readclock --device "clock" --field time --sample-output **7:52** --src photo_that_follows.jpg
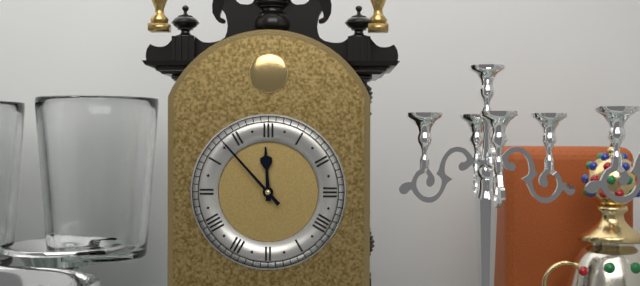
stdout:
**11:53**
